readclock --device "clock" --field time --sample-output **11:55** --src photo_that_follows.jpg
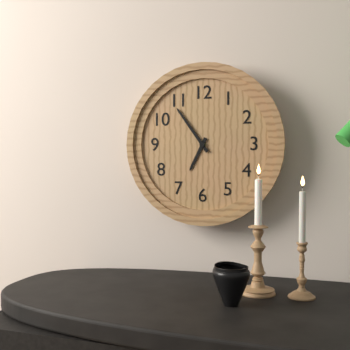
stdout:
**6:54**
